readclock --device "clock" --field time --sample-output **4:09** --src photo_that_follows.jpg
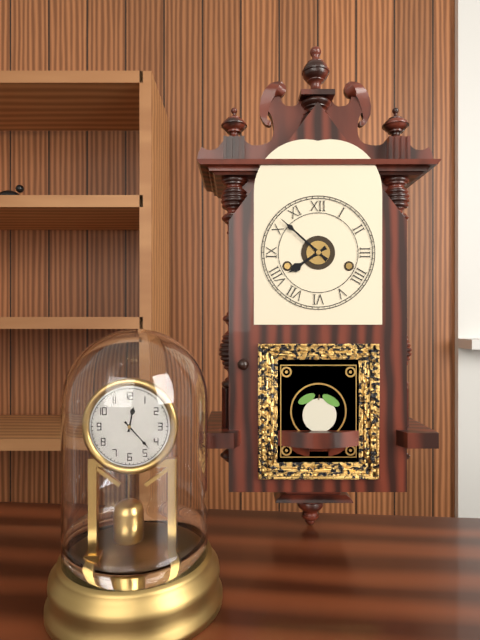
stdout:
**7:52**
